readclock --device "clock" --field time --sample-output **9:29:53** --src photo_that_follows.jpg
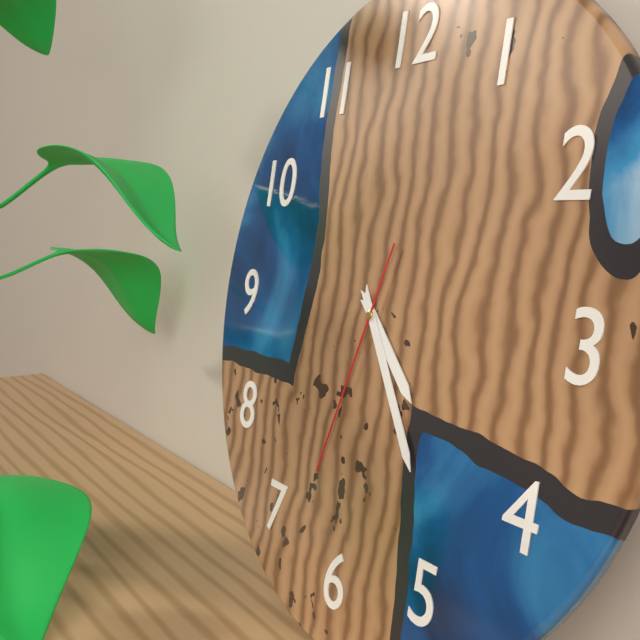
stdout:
**4:24:33**
